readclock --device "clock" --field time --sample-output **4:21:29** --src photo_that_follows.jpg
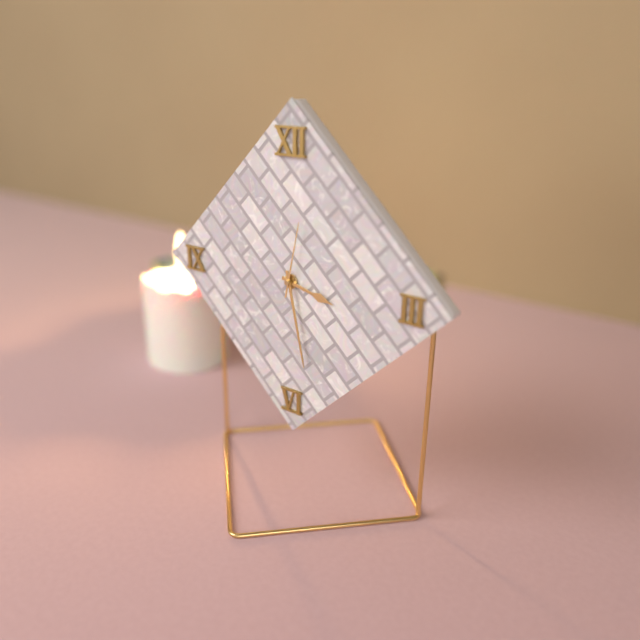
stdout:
**3:28:02**
